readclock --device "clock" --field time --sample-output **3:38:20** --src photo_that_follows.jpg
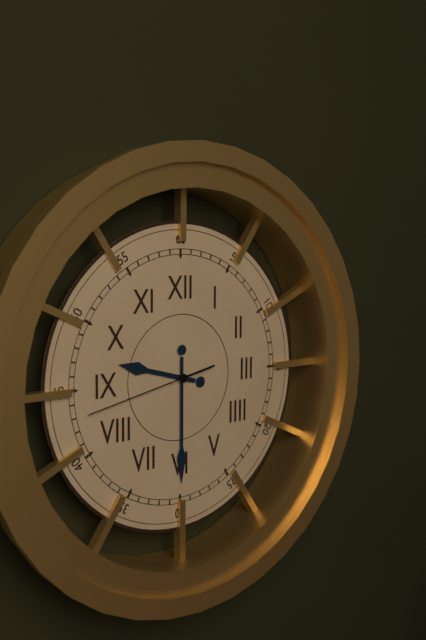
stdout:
**9:30:43**
